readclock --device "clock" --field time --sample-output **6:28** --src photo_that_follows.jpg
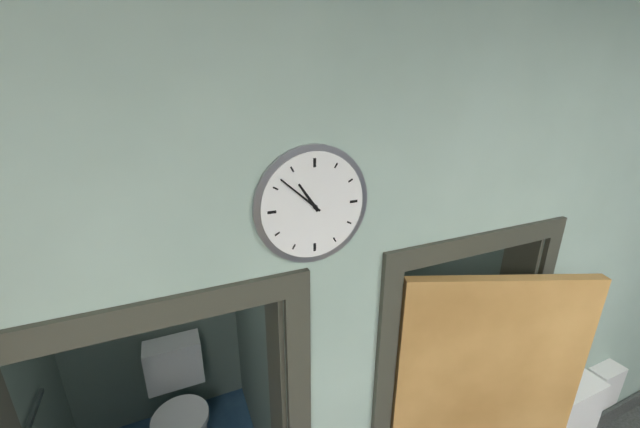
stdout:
**10:52**
